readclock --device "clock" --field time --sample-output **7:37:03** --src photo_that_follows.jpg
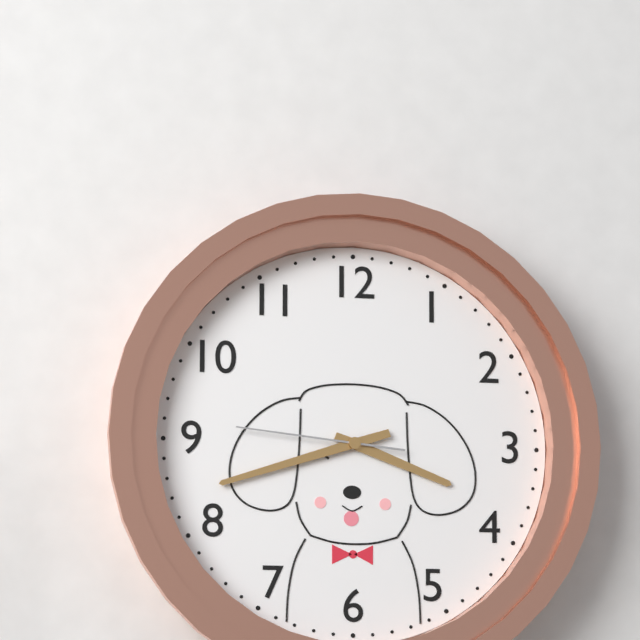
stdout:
**3:42:46**
